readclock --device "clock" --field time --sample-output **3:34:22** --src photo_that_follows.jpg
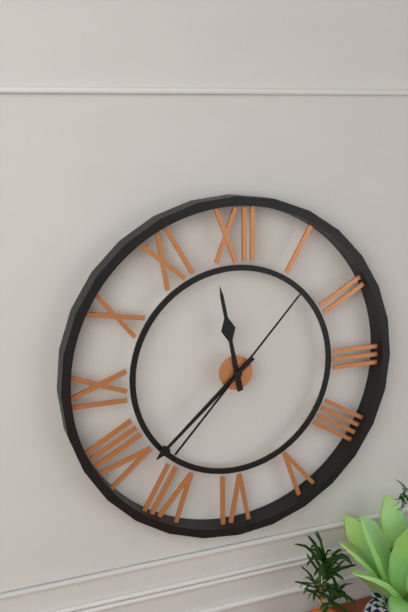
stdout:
**11:38:07**
